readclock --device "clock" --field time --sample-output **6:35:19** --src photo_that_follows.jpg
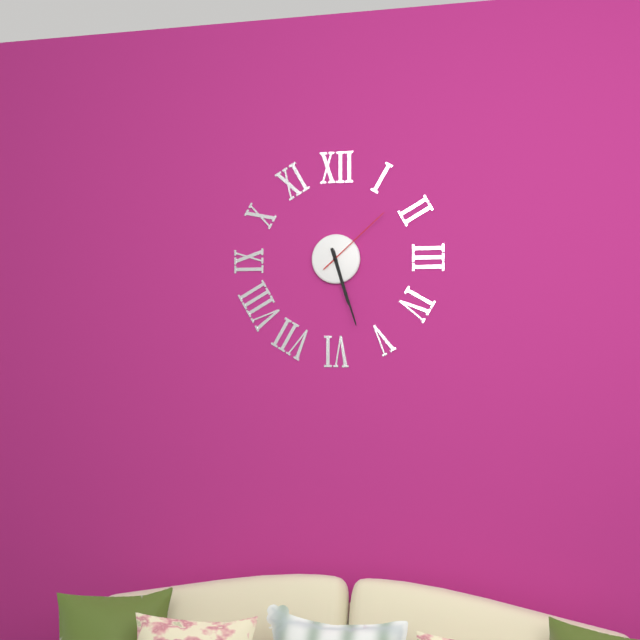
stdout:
**5:27:08**
